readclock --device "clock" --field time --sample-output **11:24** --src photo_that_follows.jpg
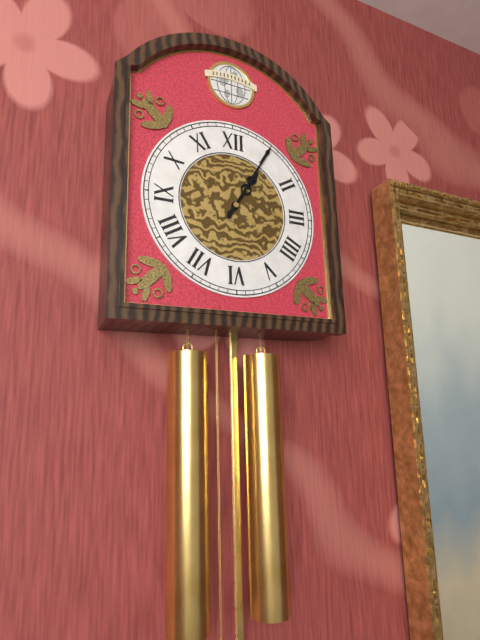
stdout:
**1:05**
